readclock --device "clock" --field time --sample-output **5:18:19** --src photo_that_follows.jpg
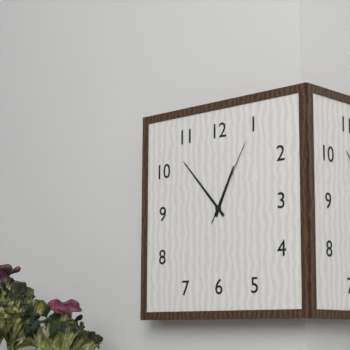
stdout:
**12:53:05**
